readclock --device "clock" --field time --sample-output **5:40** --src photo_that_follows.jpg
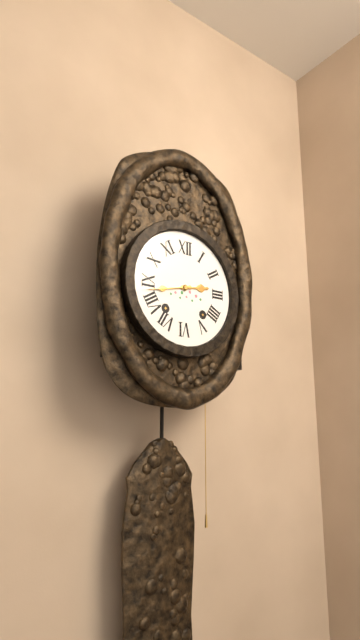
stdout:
**2:43**
